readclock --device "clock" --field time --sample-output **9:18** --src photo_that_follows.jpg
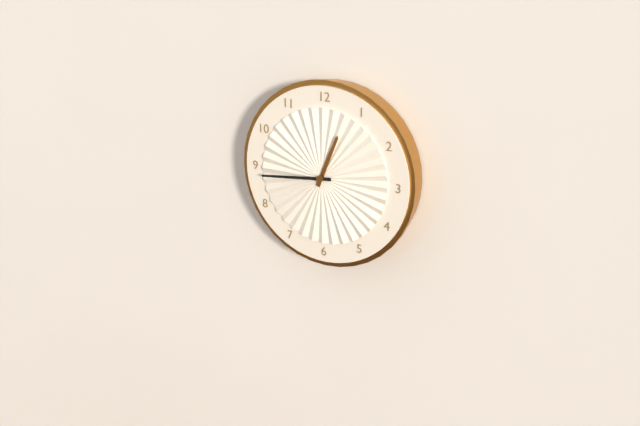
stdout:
**12:44**
